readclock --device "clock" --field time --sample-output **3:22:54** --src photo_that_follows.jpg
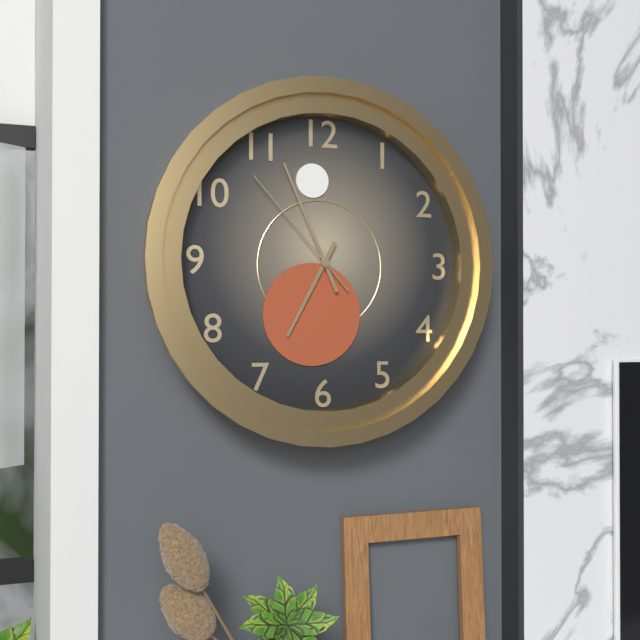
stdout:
**6:56:53**
